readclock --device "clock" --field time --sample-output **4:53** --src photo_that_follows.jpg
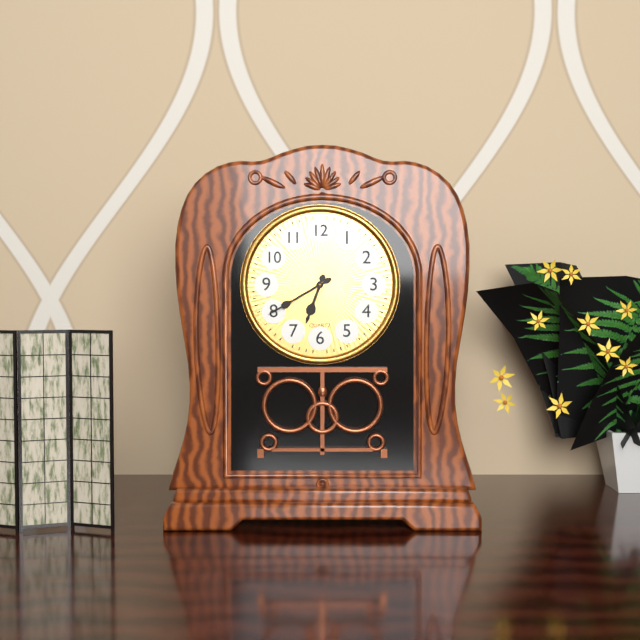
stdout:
**6:40**
